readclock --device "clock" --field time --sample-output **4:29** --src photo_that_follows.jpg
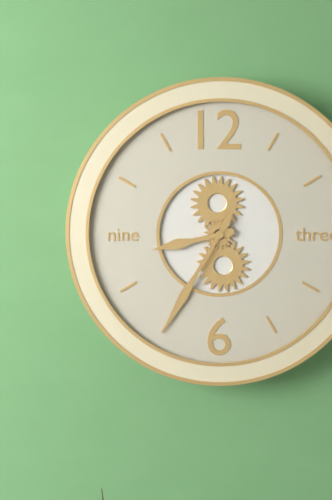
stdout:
**8:35**
